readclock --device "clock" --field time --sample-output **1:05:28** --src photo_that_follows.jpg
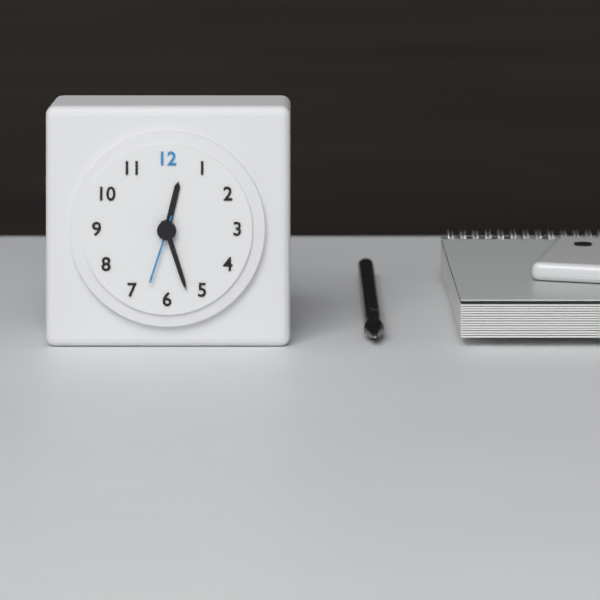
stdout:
**12:27:33**
